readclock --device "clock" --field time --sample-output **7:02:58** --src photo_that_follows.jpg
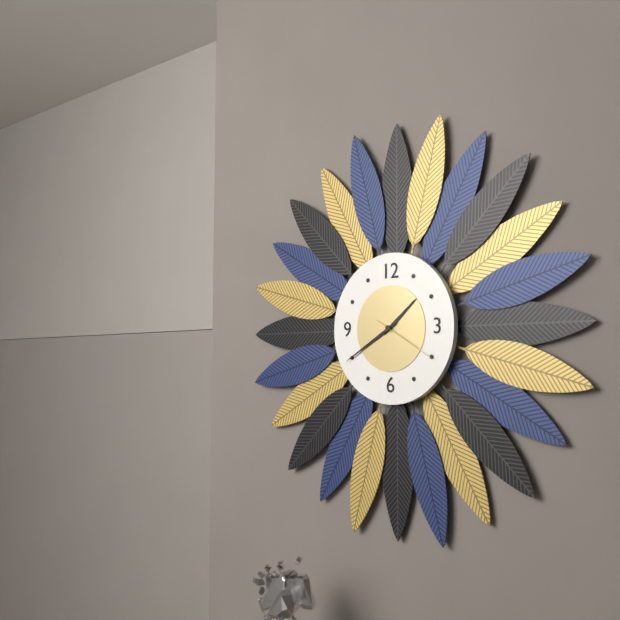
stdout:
**1:40:20**
